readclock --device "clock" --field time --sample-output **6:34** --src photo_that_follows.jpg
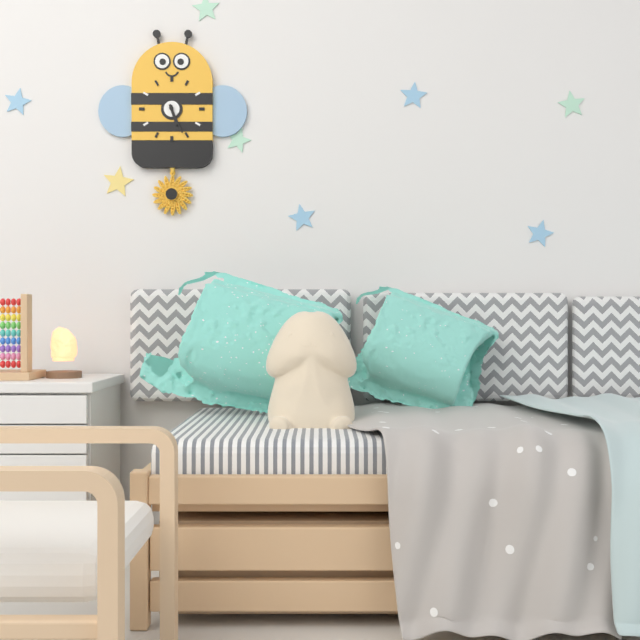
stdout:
**5:26**
